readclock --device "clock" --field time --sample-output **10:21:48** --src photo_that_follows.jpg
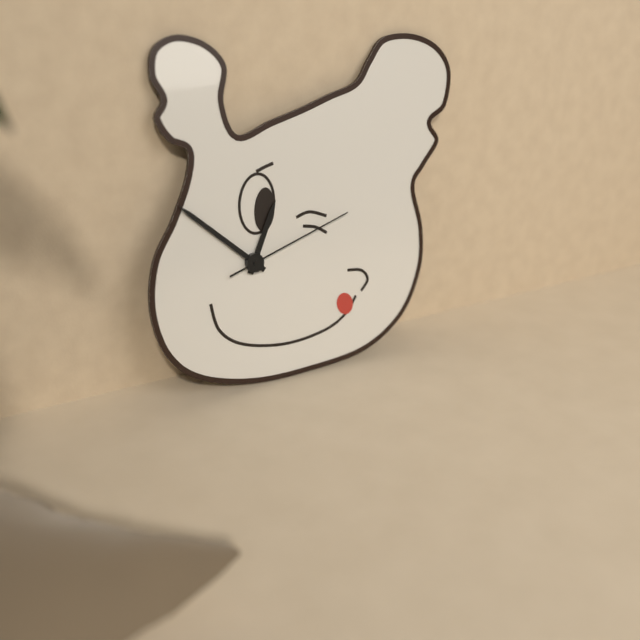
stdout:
**12:52:12**
